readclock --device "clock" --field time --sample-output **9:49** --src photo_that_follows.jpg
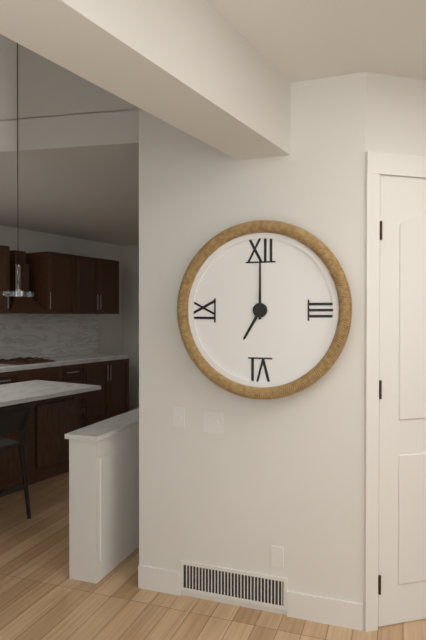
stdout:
**7:00**
